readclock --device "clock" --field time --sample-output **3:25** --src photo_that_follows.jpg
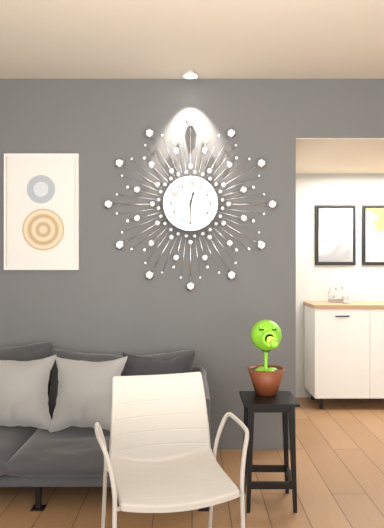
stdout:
**12:30**
